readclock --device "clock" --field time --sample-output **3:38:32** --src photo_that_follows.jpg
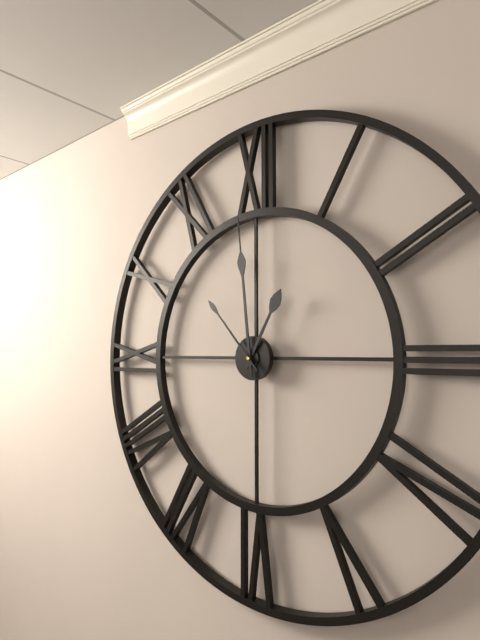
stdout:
**12:59:53**
